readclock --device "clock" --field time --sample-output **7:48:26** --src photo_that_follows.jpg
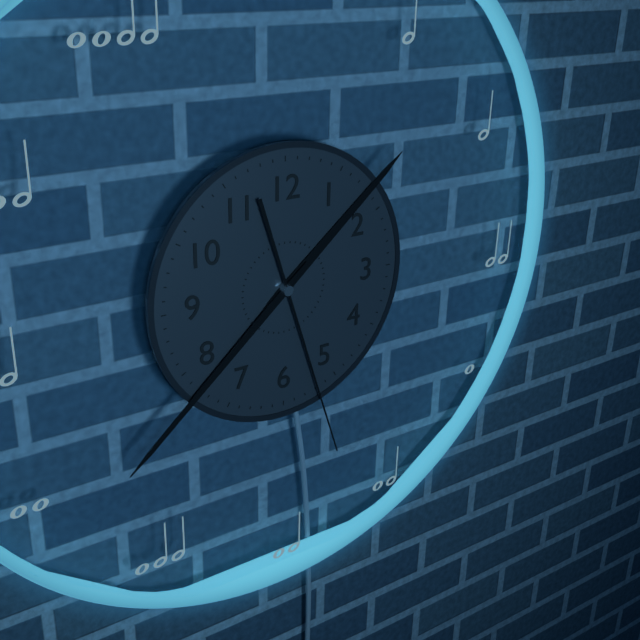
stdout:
**1:38:27**
